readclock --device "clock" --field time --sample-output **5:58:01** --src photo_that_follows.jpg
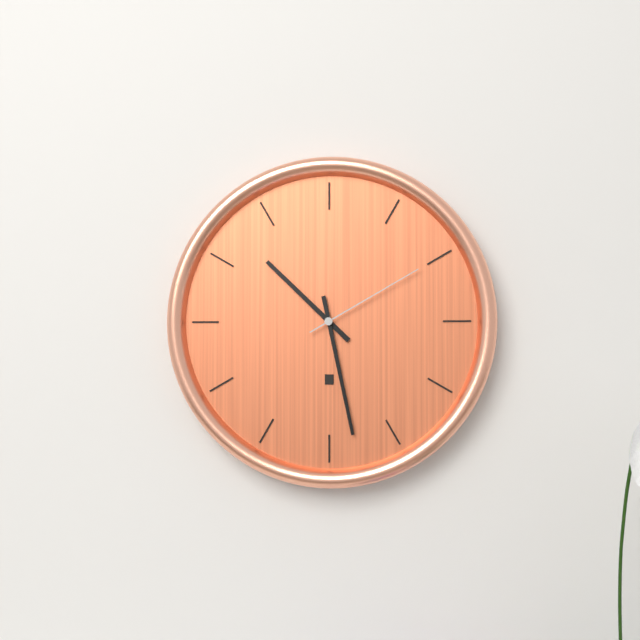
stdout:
**10:28:10**
